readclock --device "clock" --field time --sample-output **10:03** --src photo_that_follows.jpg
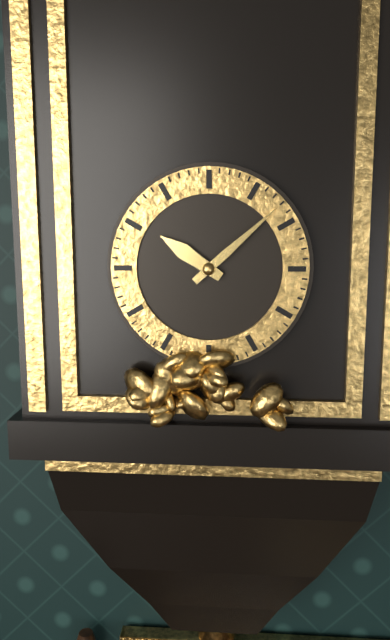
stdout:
**10:08**
